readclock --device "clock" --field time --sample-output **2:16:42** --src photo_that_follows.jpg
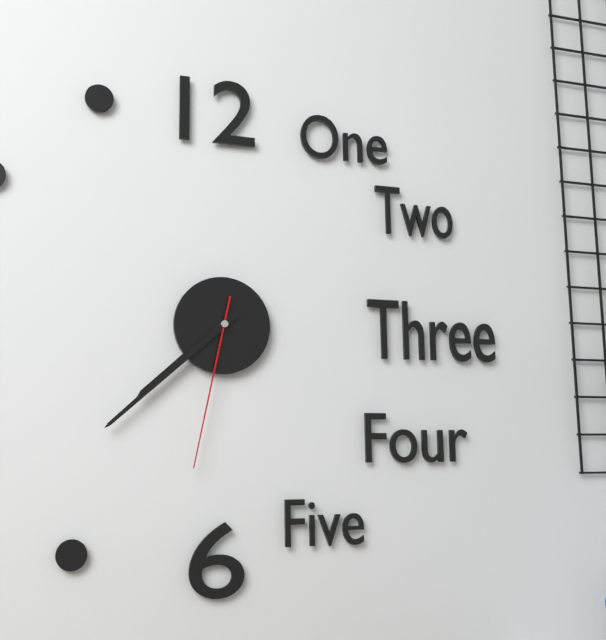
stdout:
**7:38:32**
